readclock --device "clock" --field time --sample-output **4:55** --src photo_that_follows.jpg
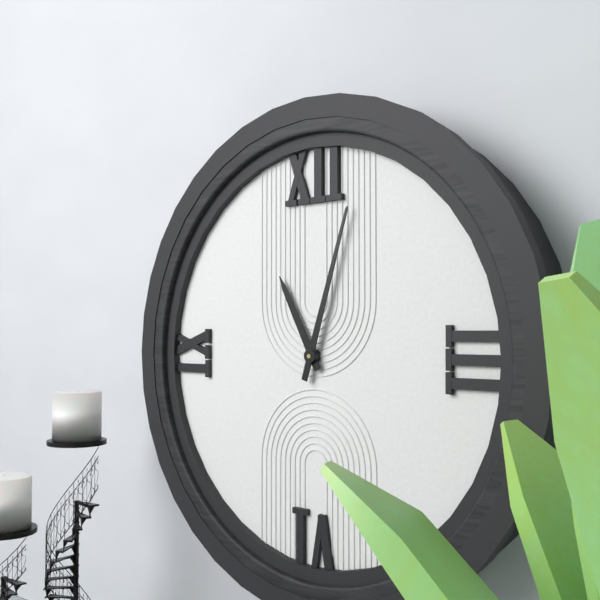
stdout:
**11:03**
